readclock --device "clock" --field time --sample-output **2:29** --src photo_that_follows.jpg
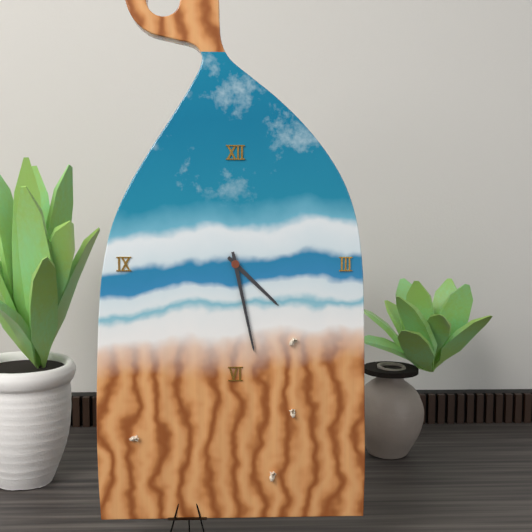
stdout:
**4:28**
